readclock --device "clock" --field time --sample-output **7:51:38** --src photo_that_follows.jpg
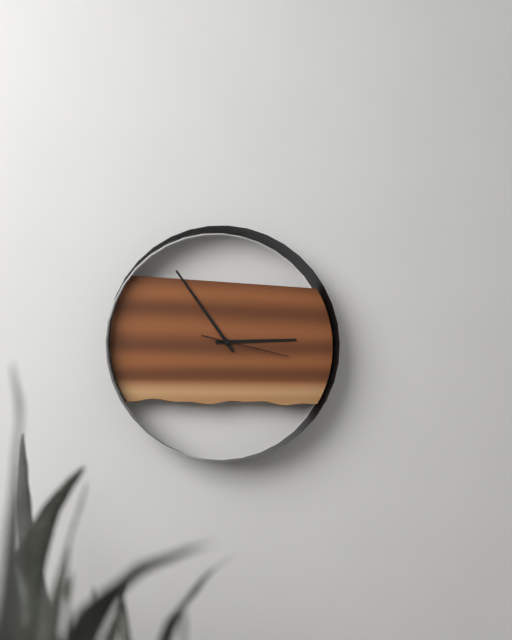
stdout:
**2:54:17**
